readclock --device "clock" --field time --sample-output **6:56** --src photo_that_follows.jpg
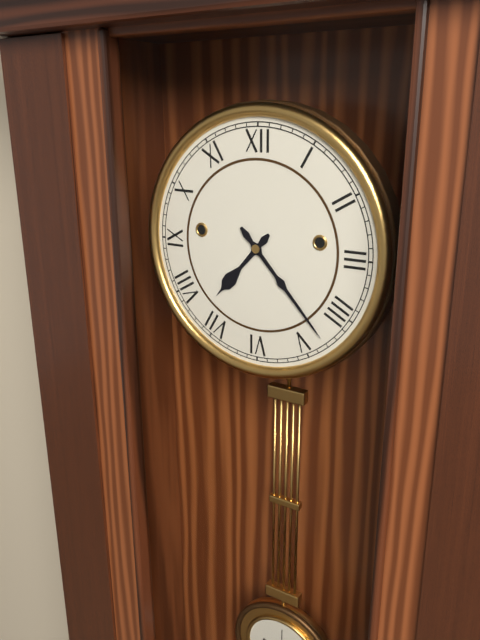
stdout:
**7:23**
